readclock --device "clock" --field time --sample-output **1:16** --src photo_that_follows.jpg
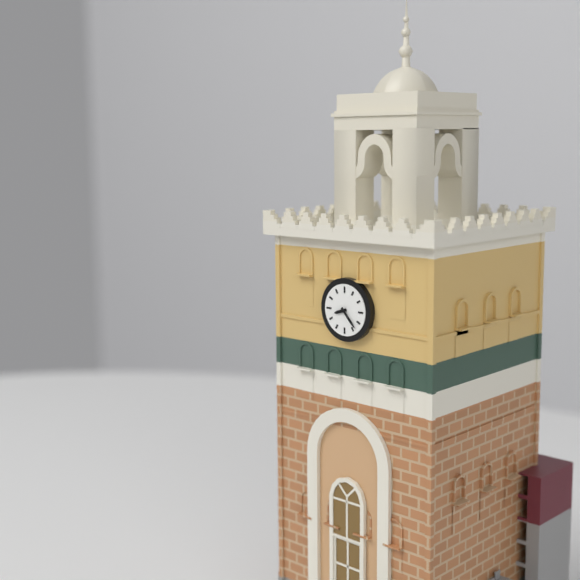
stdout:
**8:23**
